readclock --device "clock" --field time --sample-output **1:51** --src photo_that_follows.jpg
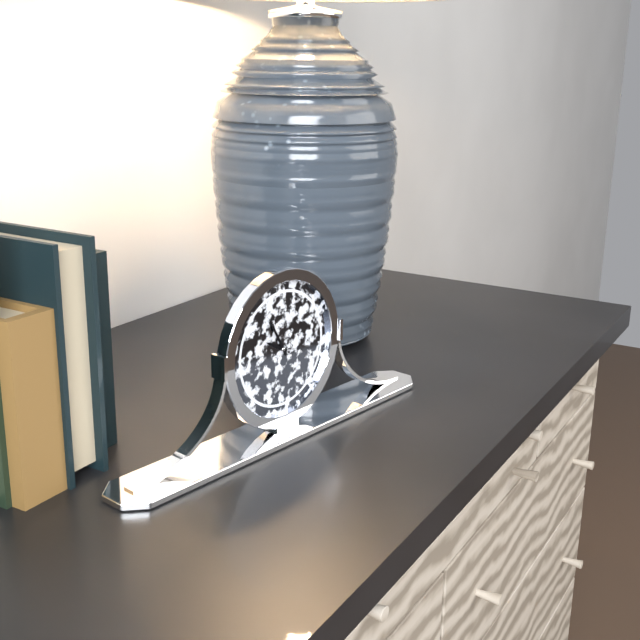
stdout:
**9:55**
